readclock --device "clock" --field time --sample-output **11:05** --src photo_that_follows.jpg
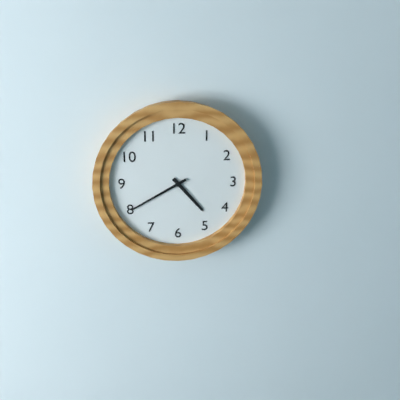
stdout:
**4:40**
